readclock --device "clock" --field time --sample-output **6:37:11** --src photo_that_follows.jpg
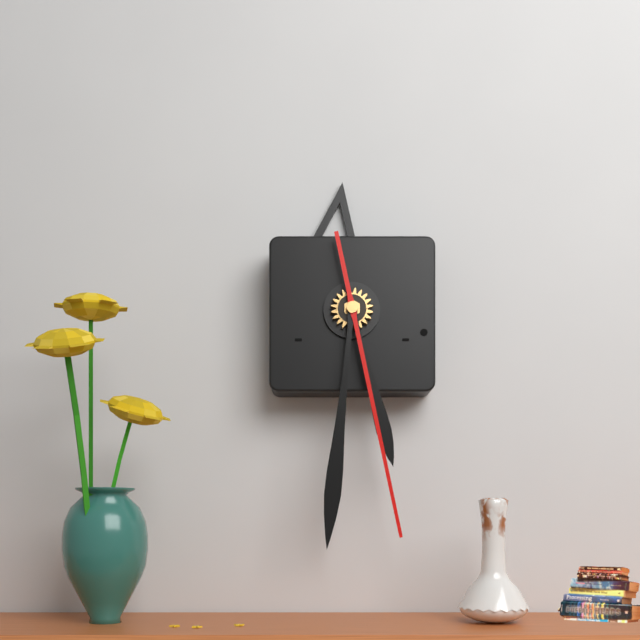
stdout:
**5:31:28**
